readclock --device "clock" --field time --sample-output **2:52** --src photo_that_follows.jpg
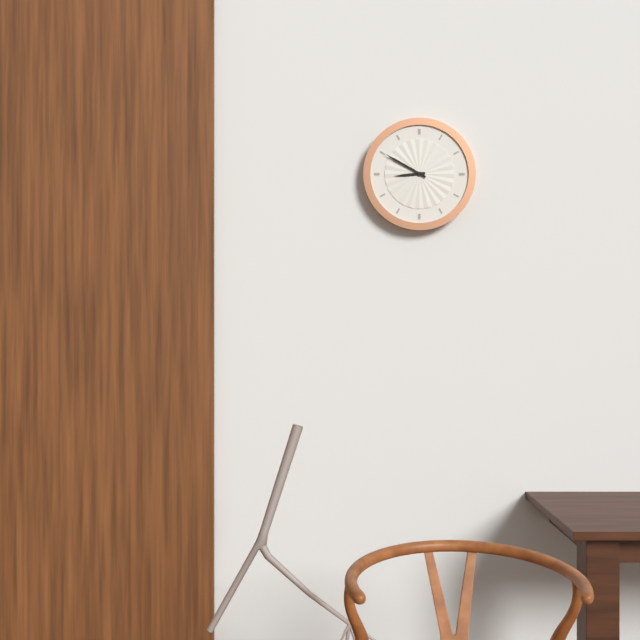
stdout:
**8:50**
